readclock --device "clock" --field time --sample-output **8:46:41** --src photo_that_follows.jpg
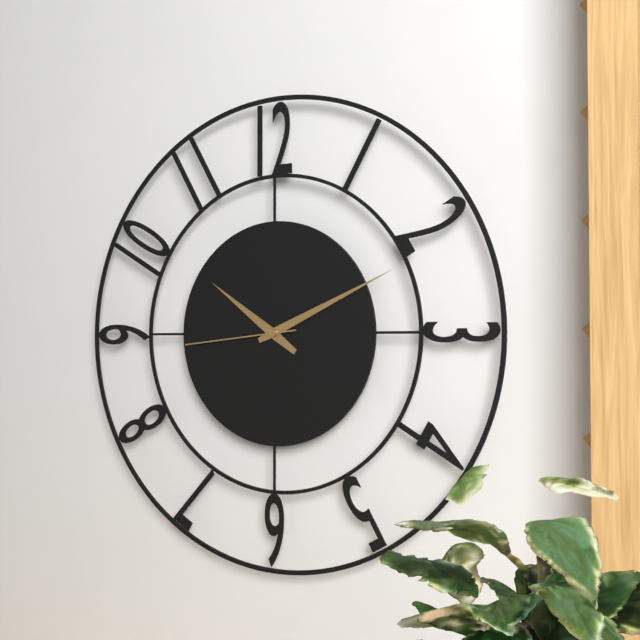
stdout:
**10:11:44**
